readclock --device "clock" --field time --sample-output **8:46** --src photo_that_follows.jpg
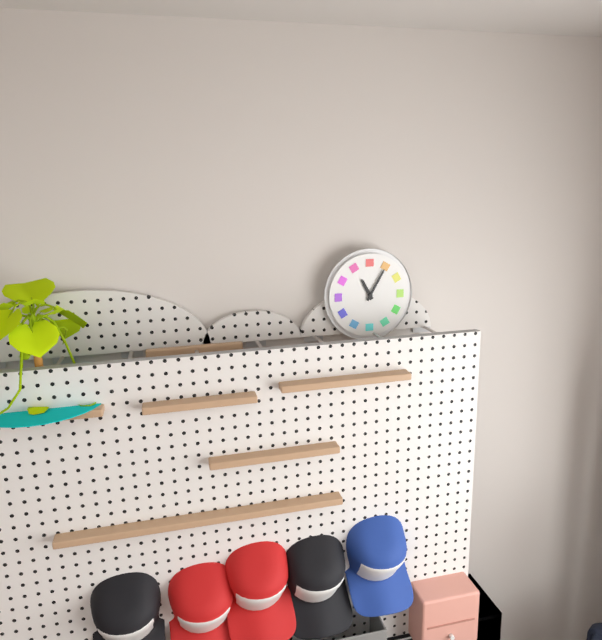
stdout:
**11:05**
